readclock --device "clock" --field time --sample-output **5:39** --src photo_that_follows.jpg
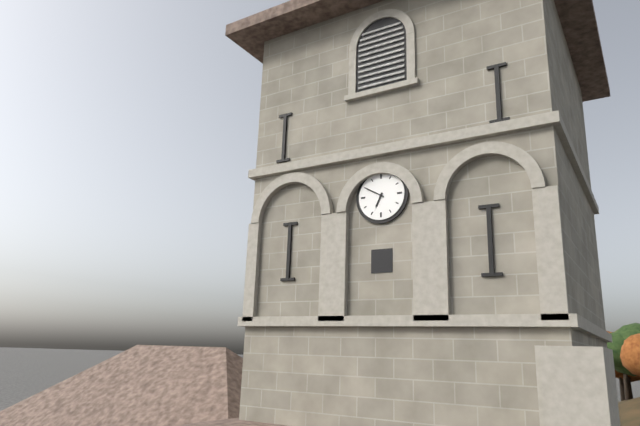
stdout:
**6:50**
